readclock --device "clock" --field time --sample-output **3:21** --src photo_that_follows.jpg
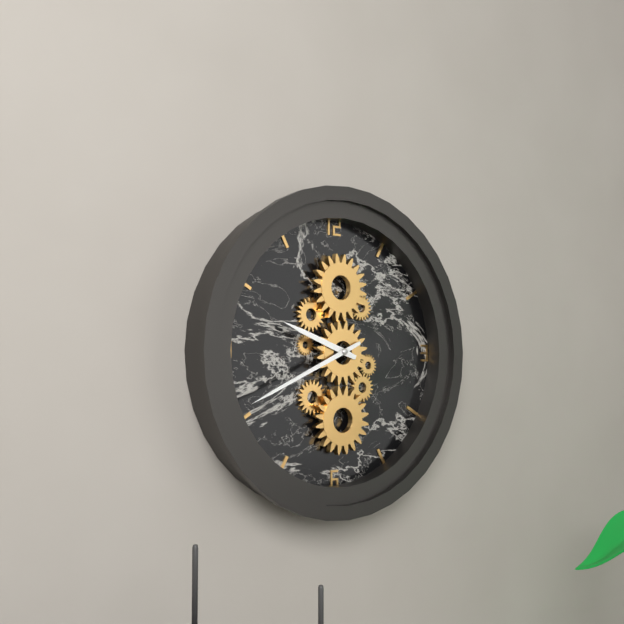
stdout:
**9:41**
